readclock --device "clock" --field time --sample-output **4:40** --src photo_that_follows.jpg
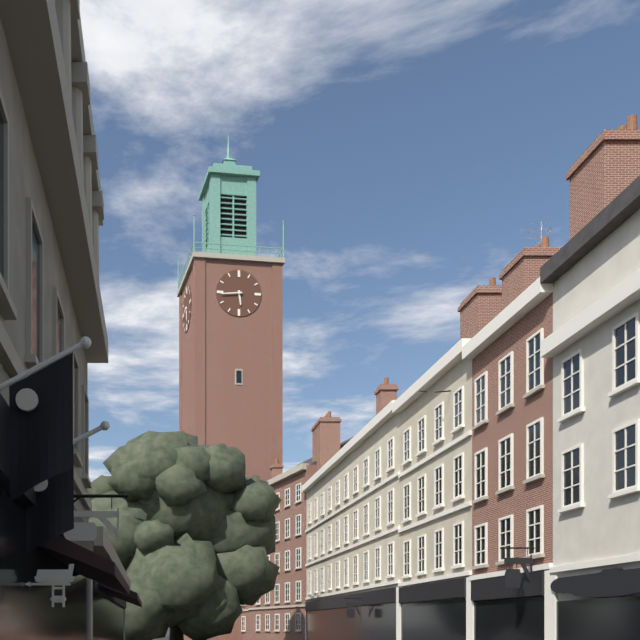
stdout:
**5:44**
